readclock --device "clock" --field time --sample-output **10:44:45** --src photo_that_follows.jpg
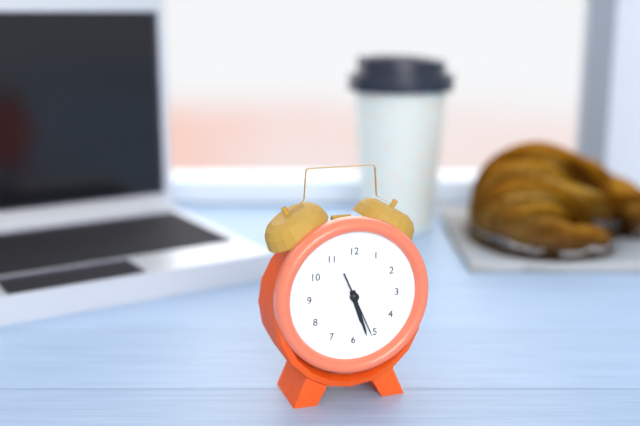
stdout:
**5:27:26**
